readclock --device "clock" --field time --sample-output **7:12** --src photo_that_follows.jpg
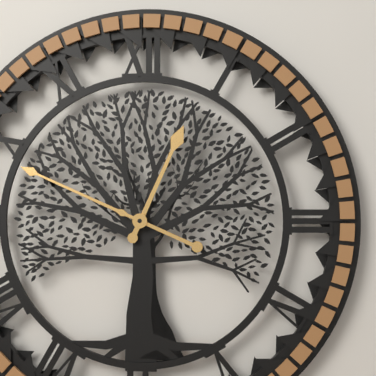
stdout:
**12:49**
